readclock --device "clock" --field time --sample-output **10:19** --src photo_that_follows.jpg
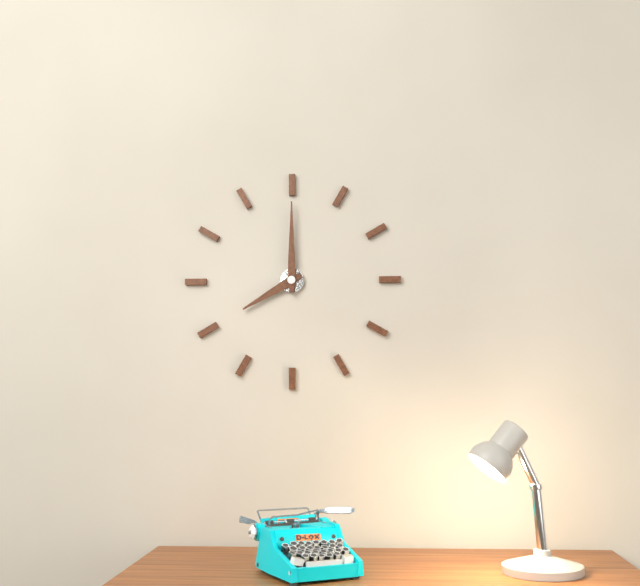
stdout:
**8:00**
